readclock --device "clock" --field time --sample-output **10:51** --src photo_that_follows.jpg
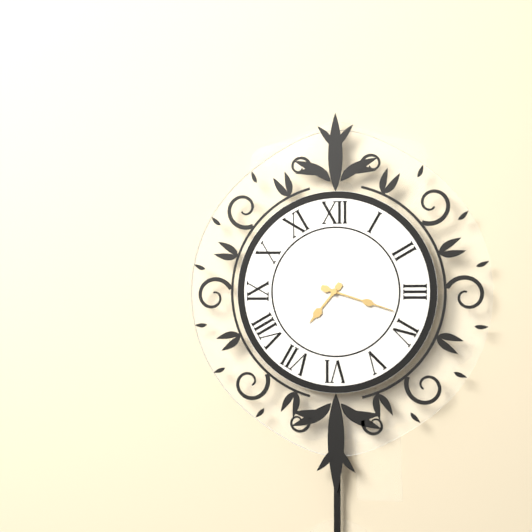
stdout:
**7:18**
